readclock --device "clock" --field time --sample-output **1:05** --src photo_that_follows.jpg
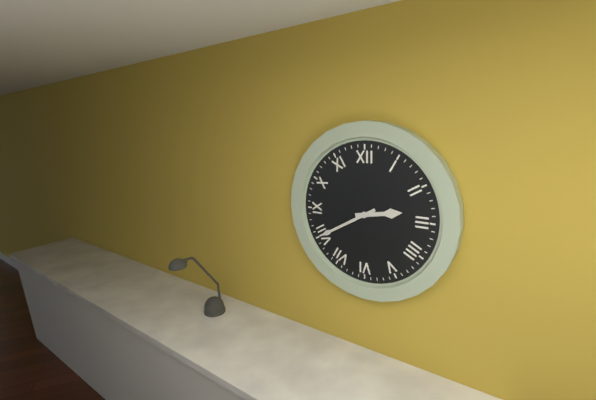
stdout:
**2:40**
